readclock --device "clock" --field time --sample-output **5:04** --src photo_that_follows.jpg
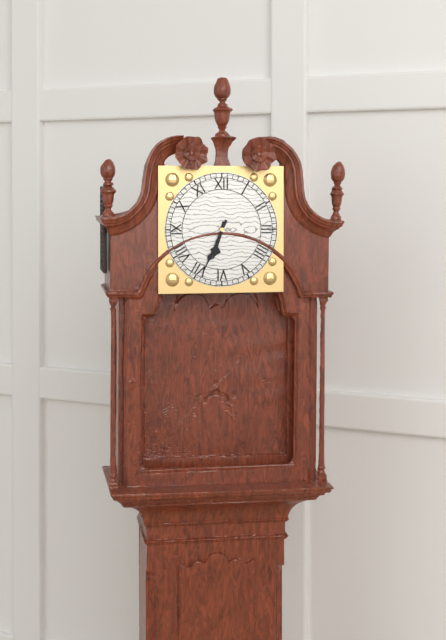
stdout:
**6:34**
